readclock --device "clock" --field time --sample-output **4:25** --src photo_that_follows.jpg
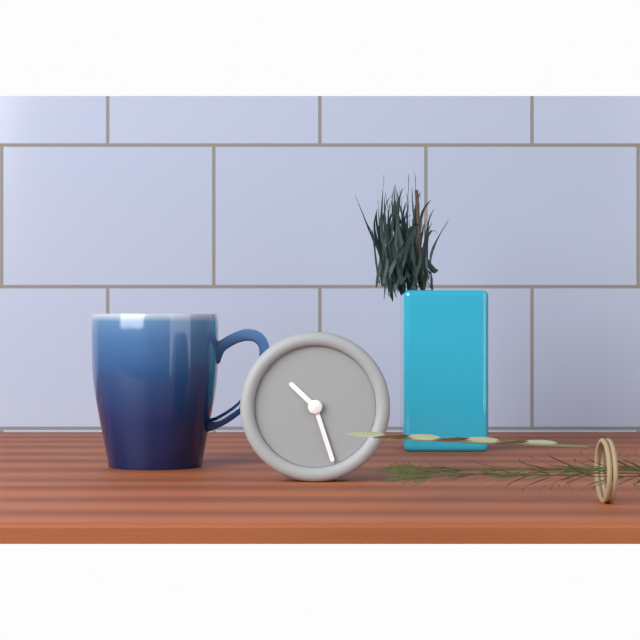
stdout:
**10:27**
